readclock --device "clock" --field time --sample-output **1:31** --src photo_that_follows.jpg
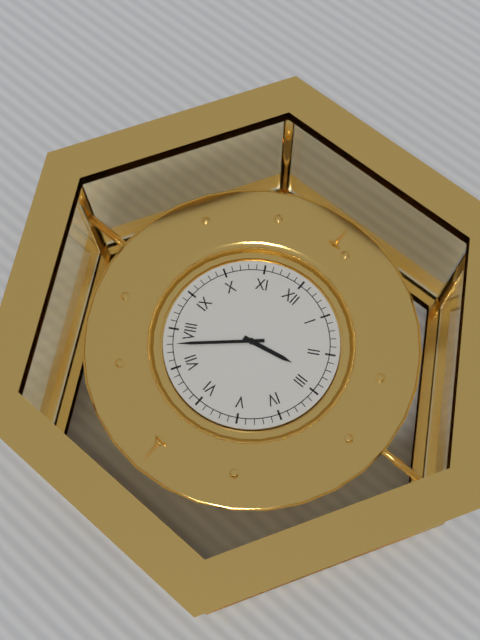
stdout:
**2:38**
